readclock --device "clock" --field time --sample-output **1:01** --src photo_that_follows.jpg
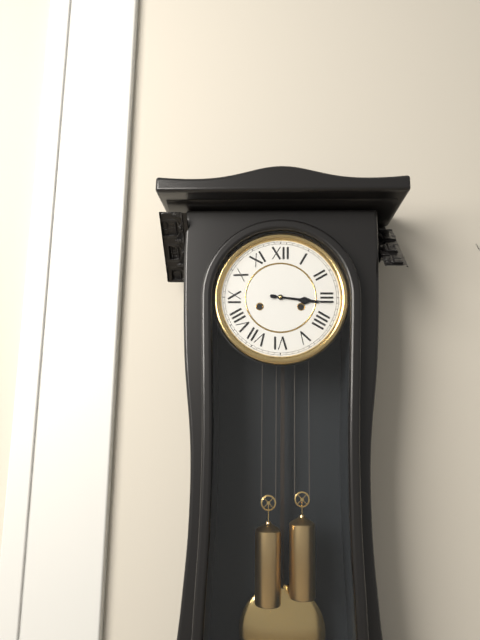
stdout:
**3:16**
